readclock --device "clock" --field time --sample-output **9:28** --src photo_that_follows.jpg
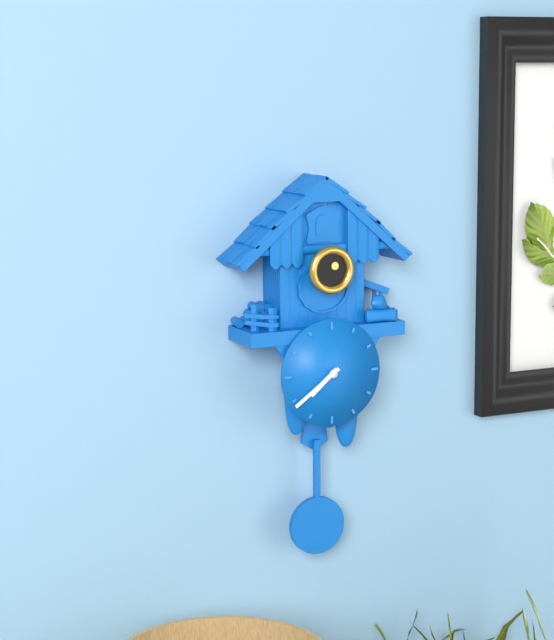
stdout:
**7:39**
